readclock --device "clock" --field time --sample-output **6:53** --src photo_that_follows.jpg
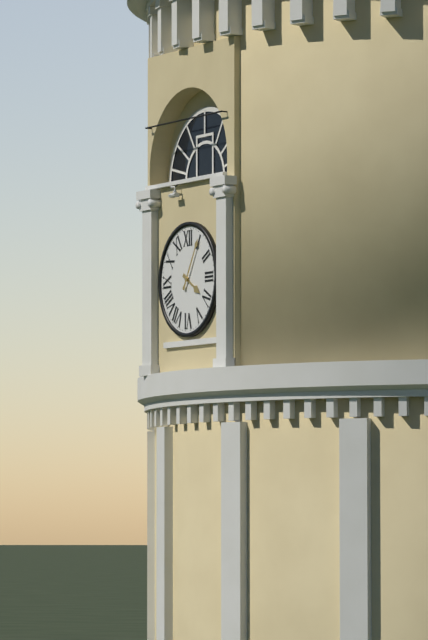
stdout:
**4:05**
